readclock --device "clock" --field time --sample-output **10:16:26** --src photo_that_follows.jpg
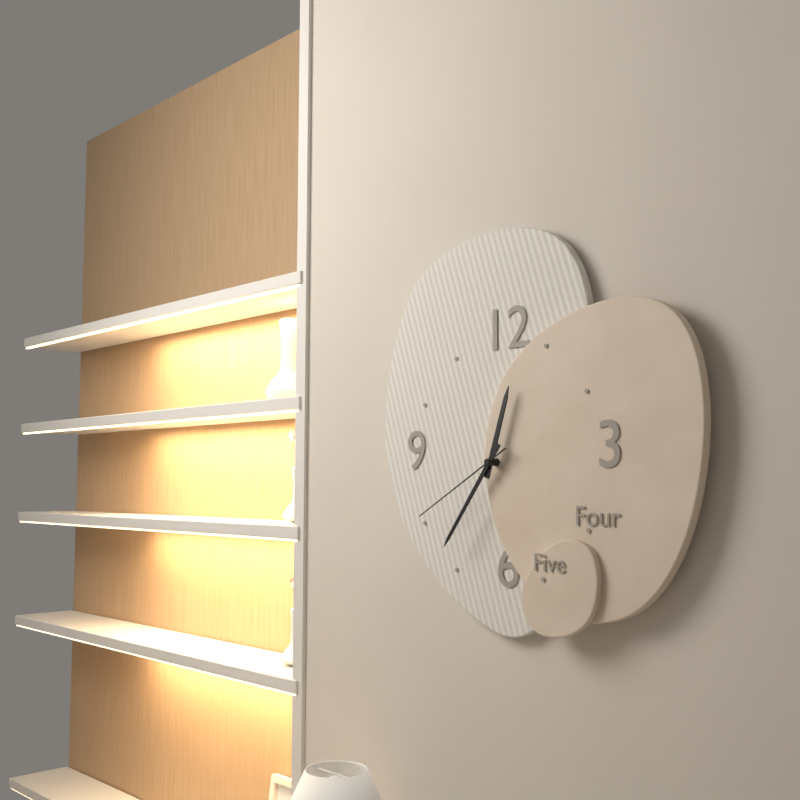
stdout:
**12:36:40**
